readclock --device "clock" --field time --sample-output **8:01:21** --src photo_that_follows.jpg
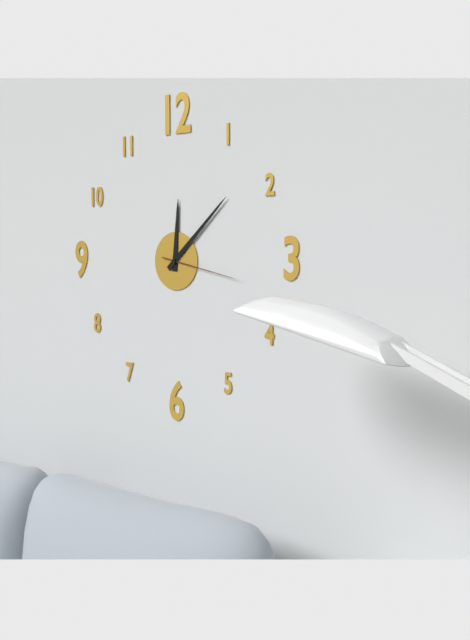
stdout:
**12:08:17**
